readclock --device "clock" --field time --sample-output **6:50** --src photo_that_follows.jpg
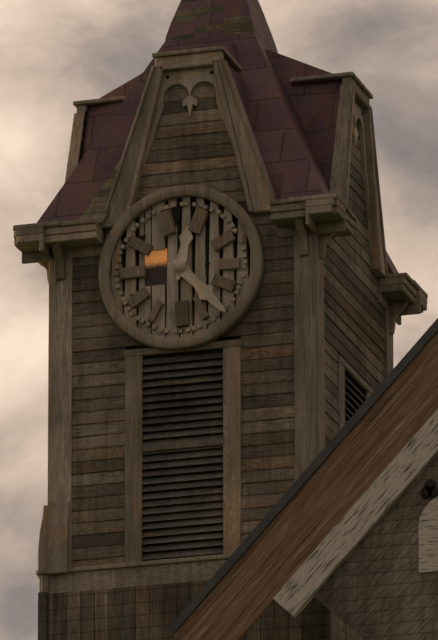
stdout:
**12:23**
